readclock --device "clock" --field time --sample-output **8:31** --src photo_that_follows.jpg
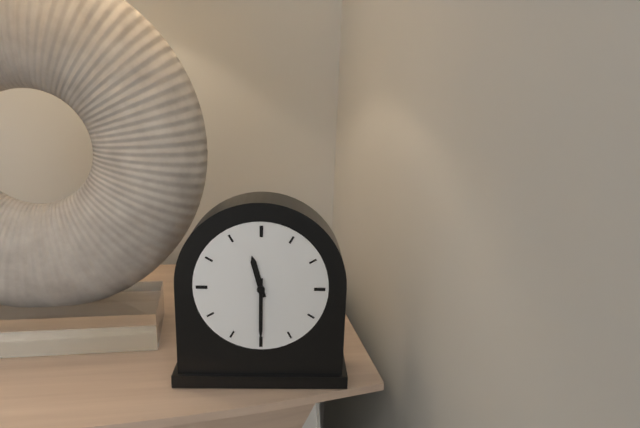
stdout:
**11:30**
